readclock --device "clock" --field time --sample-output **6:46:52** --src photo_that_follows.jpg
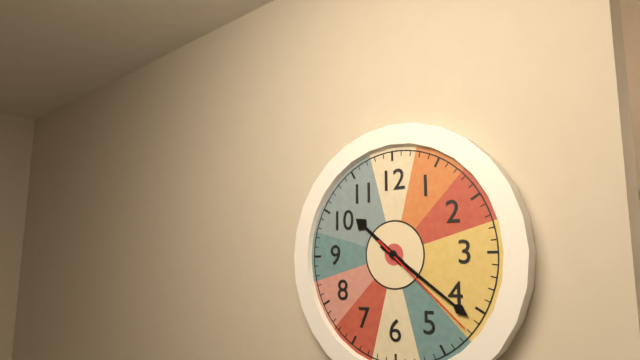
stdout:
**10:21:22**
